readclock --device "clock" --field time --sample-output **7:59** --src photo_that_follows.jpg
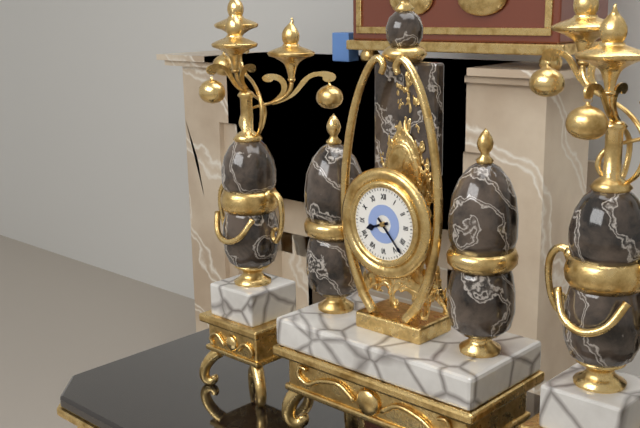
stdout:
**8:23**
